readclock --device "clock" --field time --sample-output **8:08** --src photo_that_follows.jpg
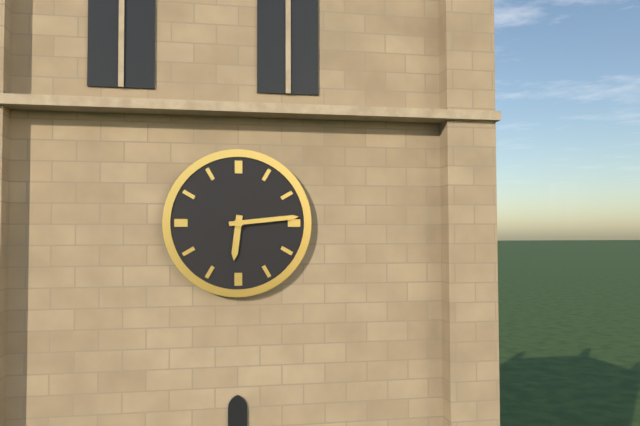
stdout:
**6:14**
